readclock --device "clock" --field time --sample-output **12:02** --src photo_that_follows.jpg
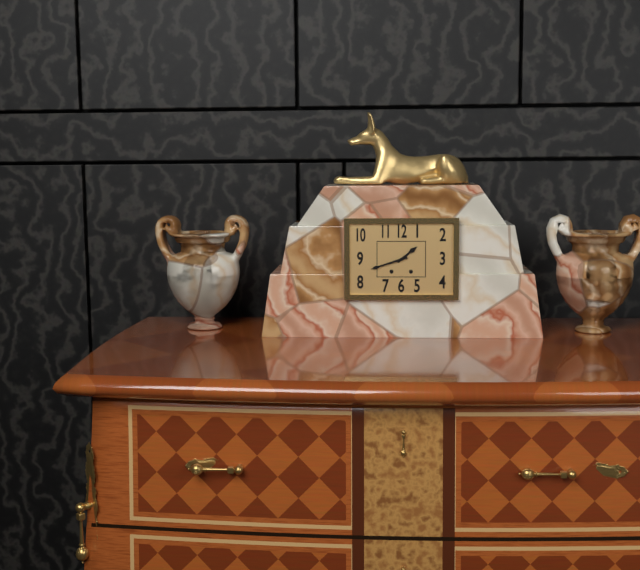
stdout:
**1:42**
